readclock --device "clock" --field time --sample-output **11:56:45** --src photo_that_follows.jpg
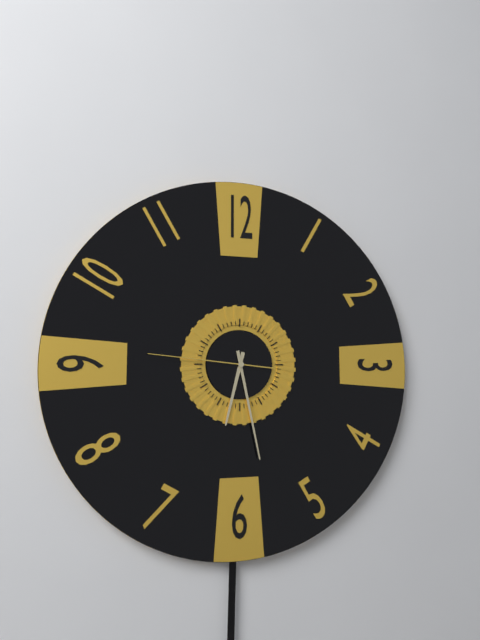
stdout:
**6:28:46**
